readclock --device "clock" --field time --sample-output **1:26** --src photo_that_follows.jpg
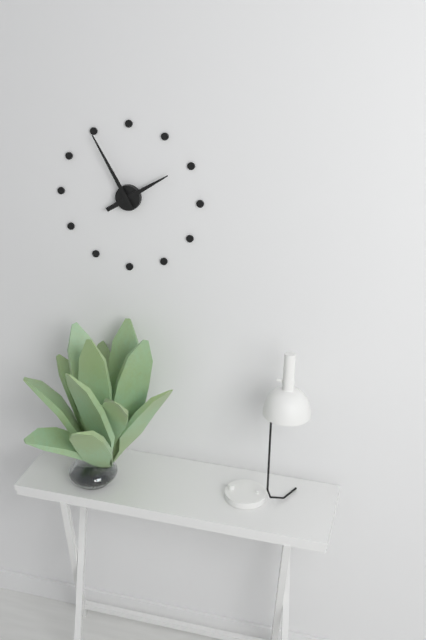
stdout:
**1:55**
